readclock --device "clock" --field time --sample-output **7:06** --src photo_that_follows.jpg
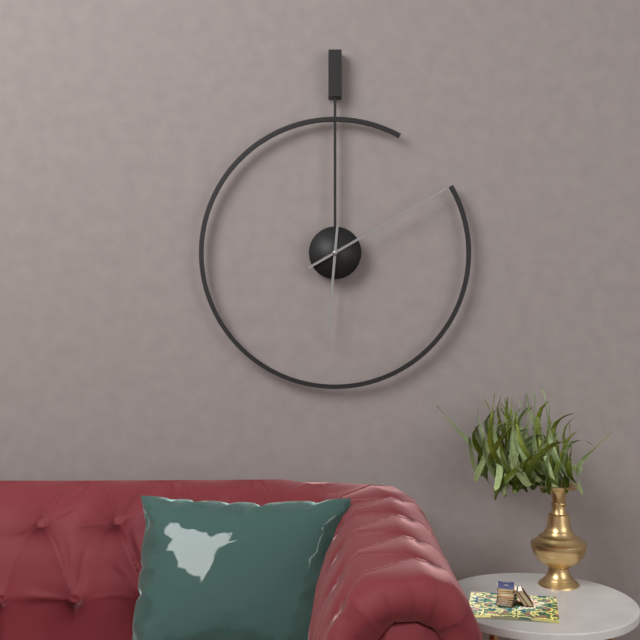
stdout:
**6:10**
